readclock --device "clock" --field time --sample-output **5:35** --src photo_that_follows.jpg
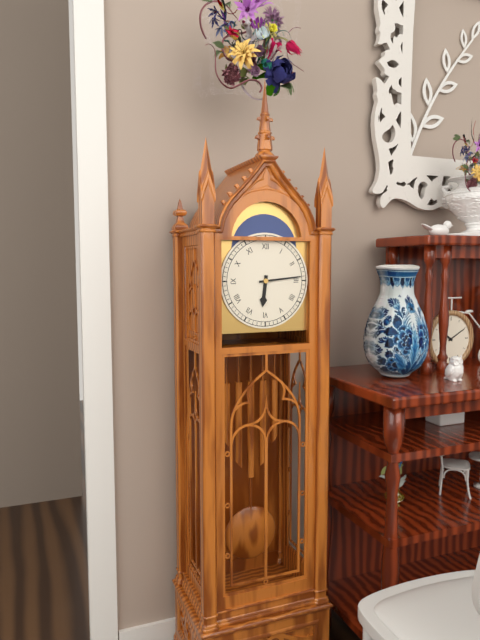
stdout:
**6:14**
